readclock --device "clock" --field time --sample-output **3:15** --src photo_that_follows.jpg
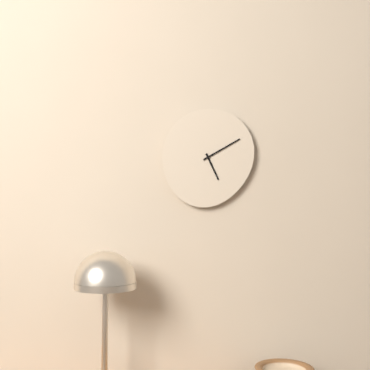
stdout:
**5:10**
